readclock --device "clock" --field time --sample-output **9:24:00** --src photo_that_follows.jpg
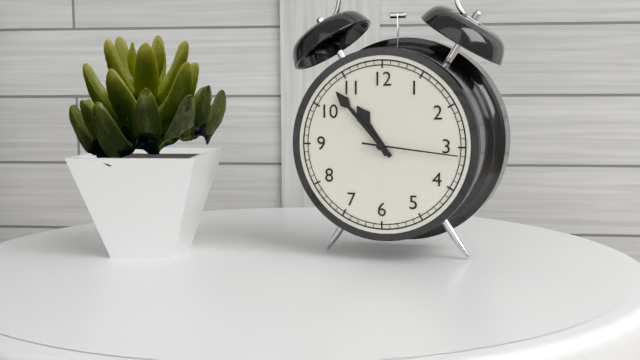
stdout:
**10:53:16**
